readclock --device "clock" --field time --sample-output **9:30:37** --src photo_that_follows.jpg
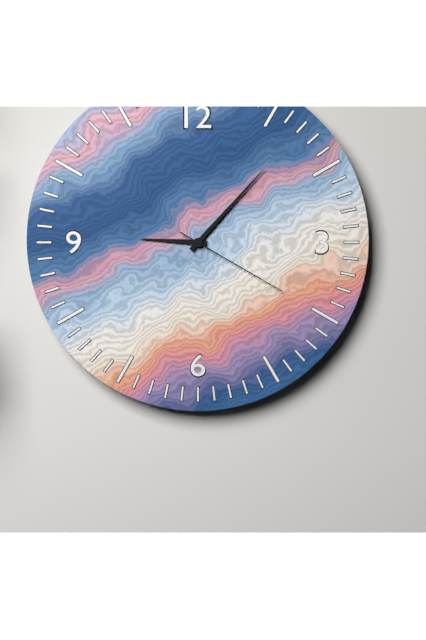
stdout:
**9:07:20**
